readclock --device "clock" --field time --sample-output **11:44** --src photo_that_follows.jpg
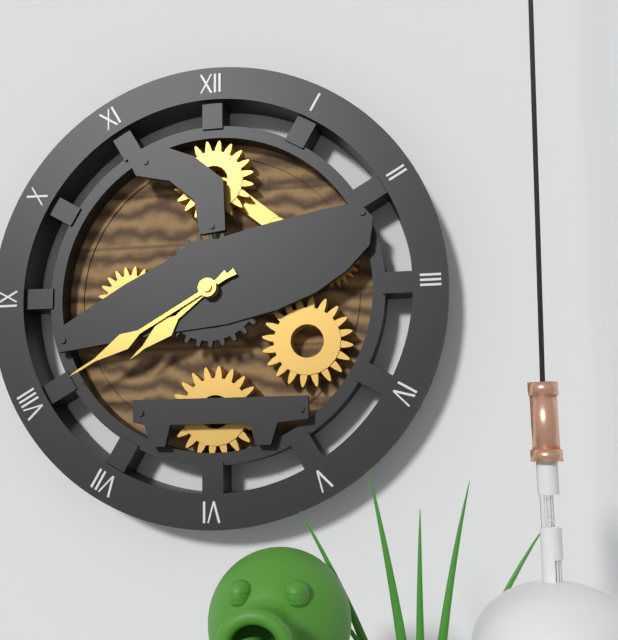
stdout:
**7:40**
